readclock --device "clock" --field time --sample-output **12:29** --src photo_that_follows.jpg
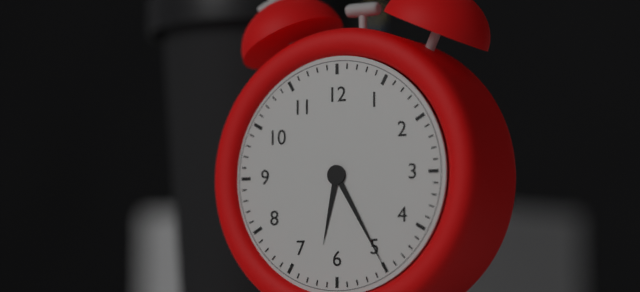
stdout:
**6:25**
